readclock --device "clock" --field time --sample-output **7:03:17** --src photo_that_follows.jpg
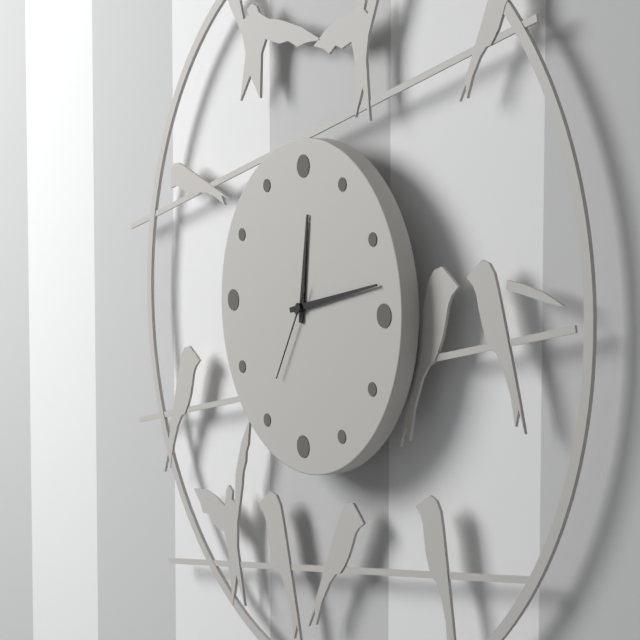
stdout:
**12:13:35**
